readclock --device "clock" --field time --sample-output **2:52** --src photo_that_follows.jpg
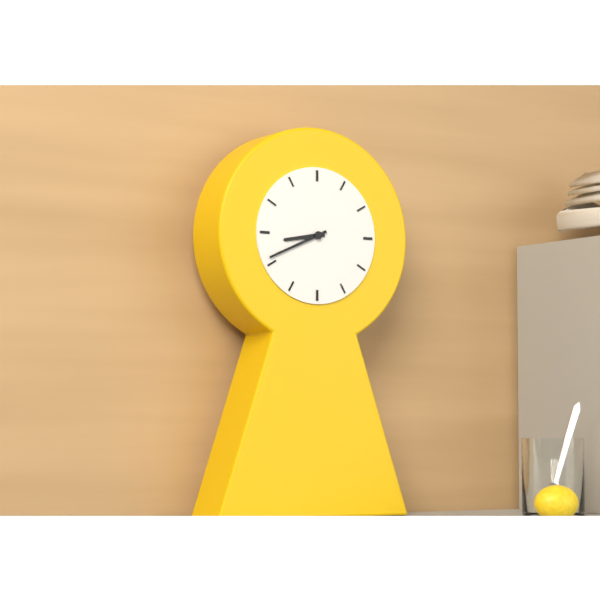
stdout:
**8:41**
